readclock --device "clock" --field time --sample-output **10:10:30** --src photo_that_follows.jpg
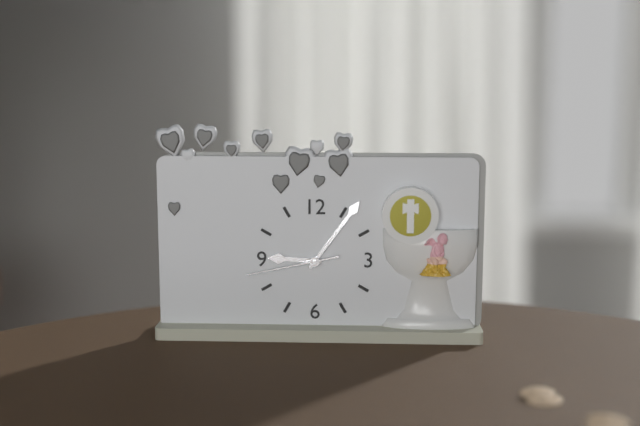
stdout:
**9:06:43**
